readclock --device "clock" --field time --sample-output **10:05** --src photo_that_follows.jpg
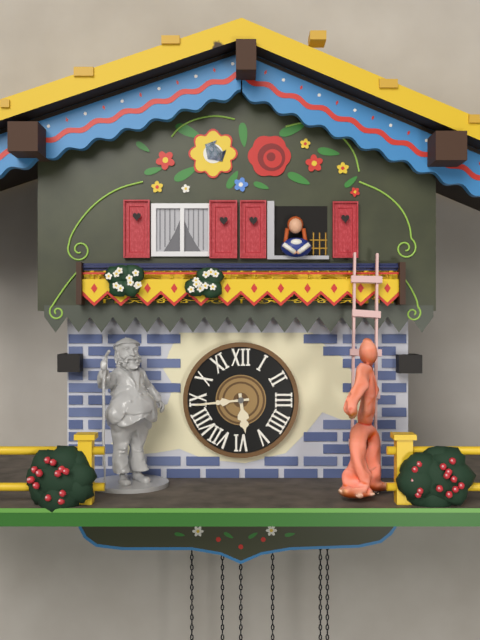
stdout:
**5:44**
